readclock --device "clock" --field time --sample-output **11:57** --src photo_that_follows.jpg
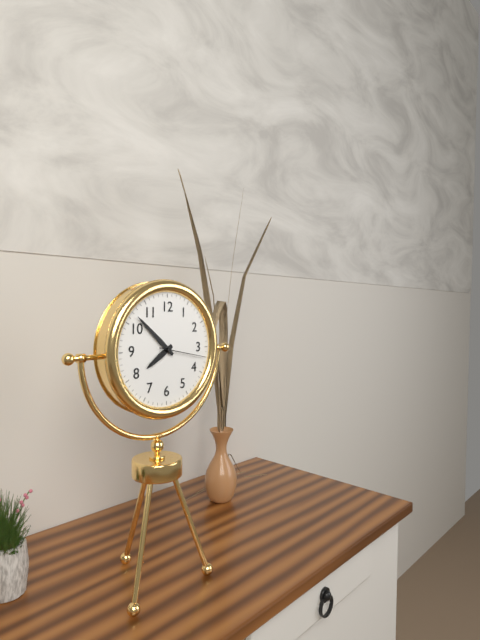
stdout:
**7:52**
